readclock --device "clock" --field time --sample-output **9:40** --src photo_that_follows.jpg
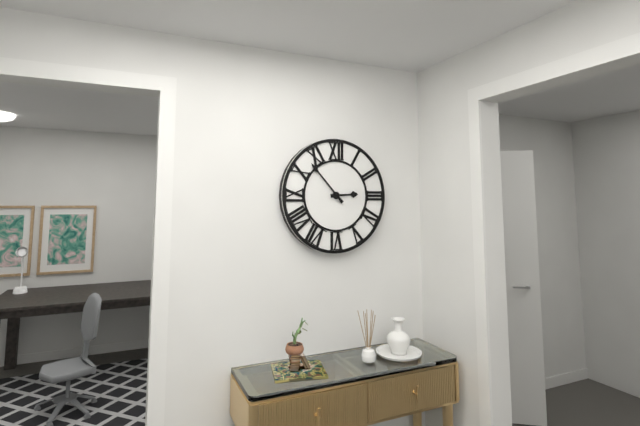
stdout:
**2:53**
